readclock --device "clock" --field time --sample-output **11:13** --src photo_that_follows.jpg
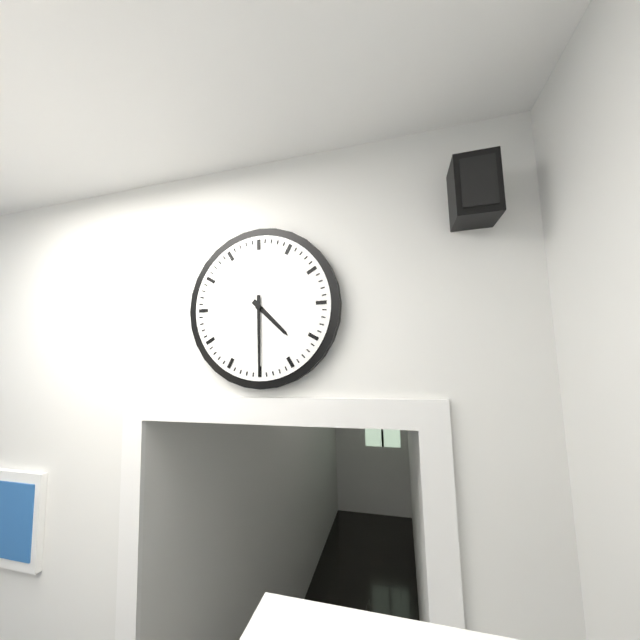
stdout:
**4:30**
